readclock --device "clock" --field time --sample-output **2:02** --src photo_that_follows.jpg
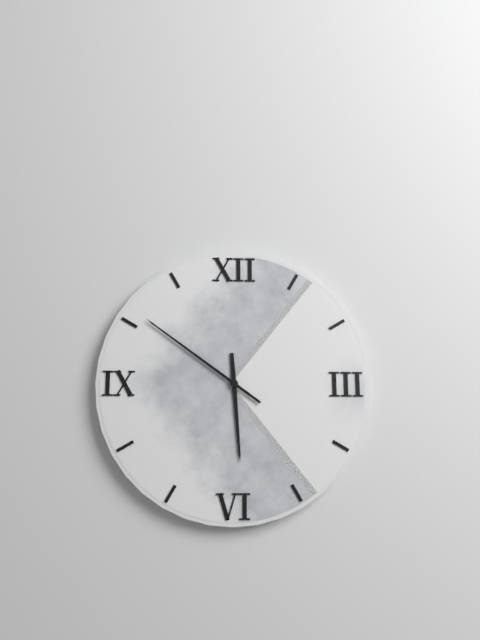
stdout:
**5:51**
